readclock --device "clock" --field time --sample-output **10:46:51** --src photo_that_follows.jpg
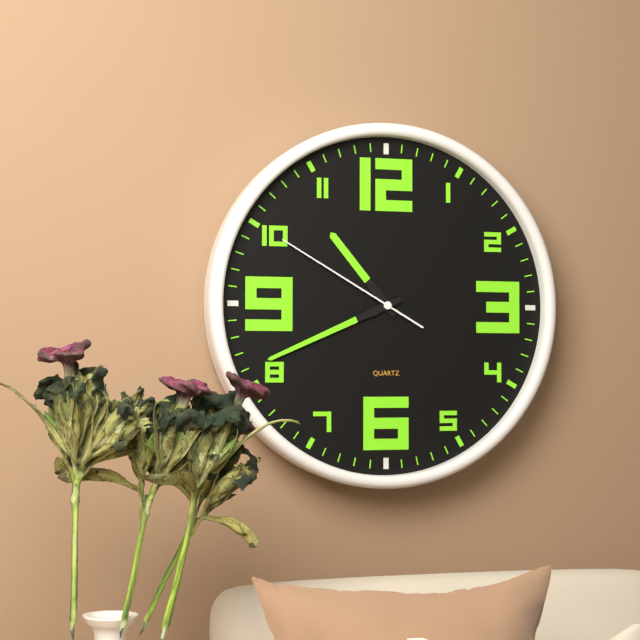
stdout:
**10:41:50**
